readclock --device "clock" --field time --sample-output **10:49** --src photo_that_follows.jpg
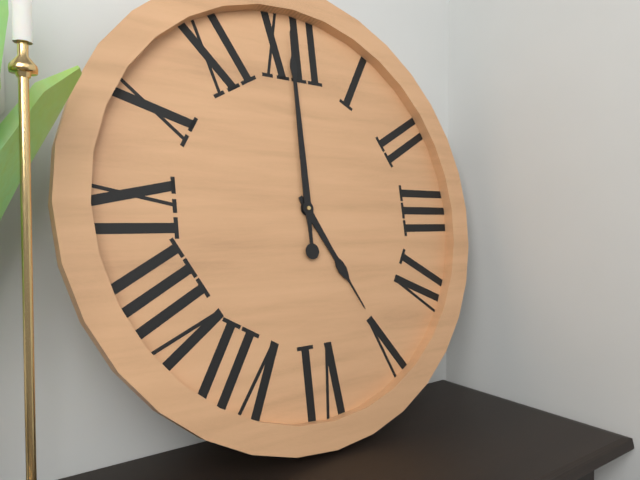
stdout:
**5:00**
